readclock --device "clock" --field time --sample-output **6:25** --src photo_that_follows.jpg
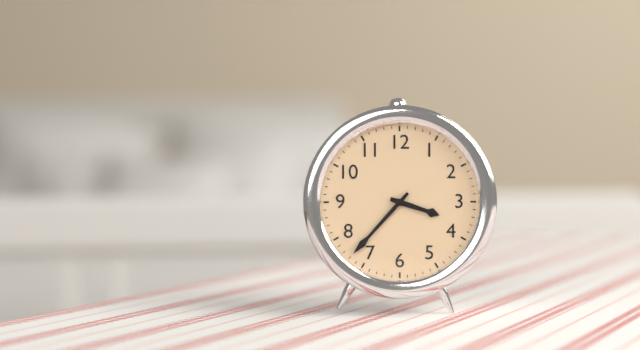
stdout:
**3:37**
